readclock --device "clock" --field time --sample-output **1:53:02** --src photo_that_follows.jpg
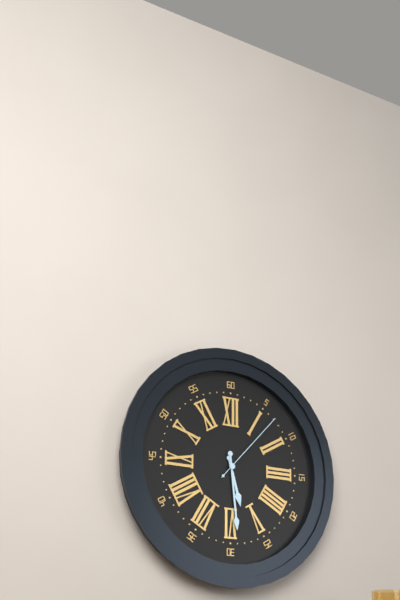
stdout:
**5:29:07**
